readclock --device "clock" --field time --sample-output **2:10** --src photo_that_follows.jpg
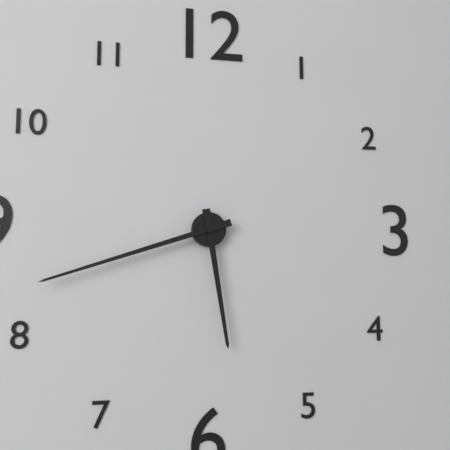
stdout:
**5:42**
